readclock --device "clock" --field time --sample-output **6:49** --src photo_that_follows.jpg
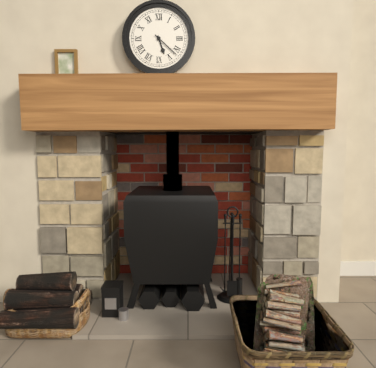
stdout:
**5:22**
